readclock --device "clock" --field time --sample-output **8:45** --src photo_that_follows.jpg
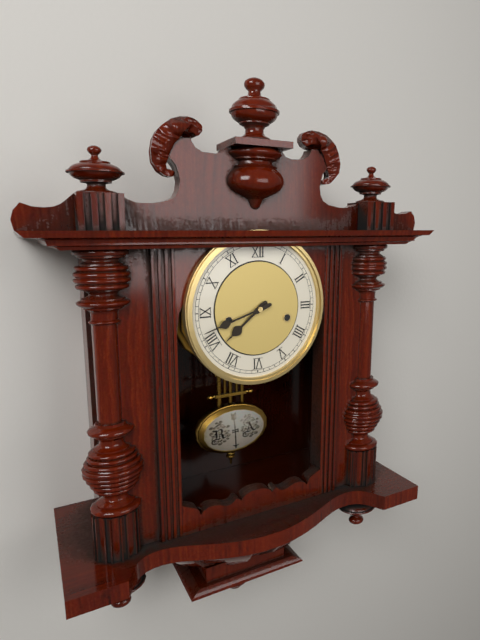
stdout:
**7:42**
